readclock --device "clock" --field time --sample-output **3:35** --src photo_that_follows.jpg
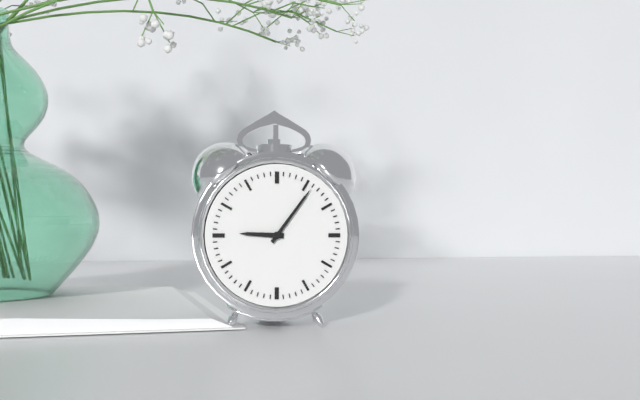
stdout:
**9:06**
